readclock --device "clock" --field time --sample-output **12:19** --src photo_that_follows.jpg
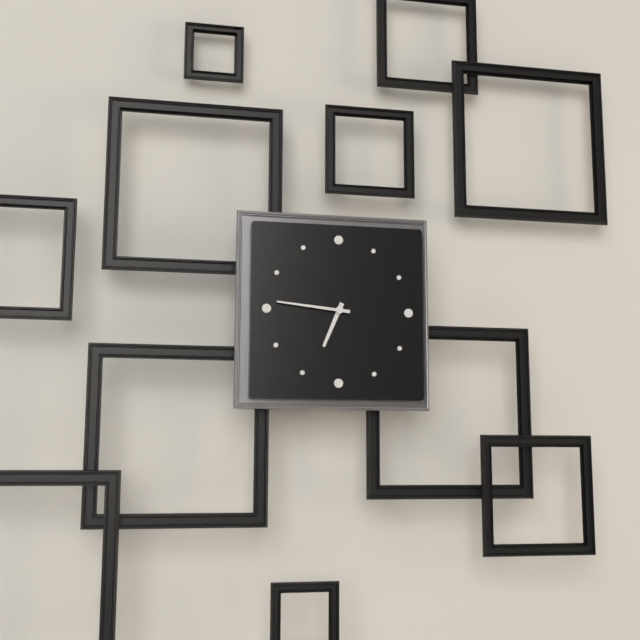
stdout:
**6:46**
